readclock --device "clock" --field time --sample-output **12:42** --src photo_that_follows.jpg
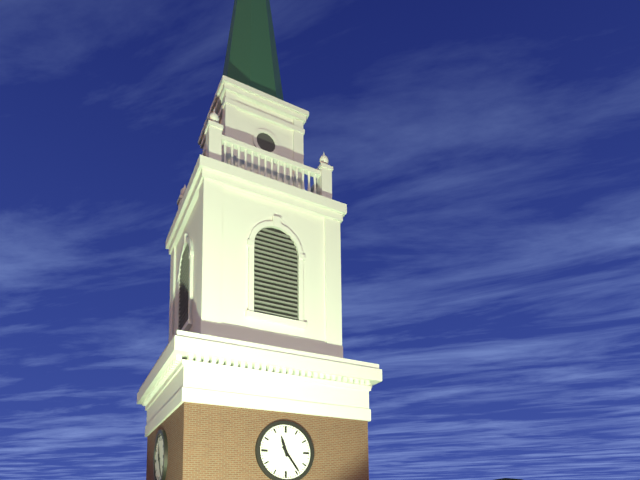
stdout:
**11:24**
